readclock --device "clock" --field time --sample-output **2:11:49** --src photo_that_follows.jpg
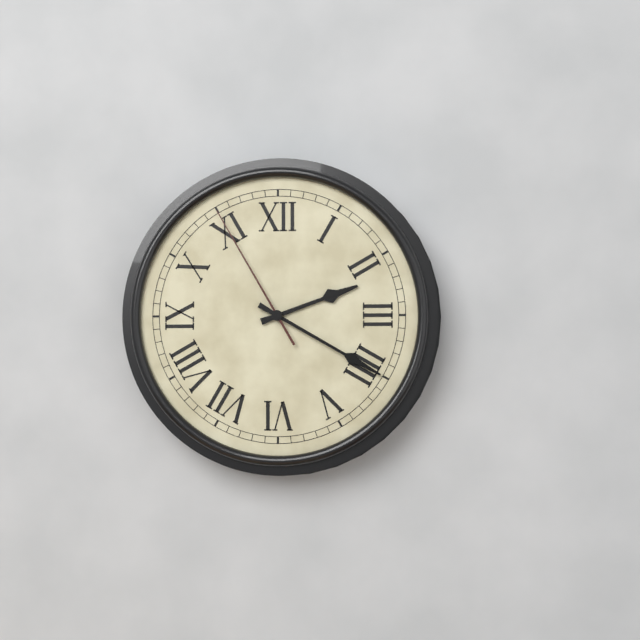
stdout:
**2:20:55**
